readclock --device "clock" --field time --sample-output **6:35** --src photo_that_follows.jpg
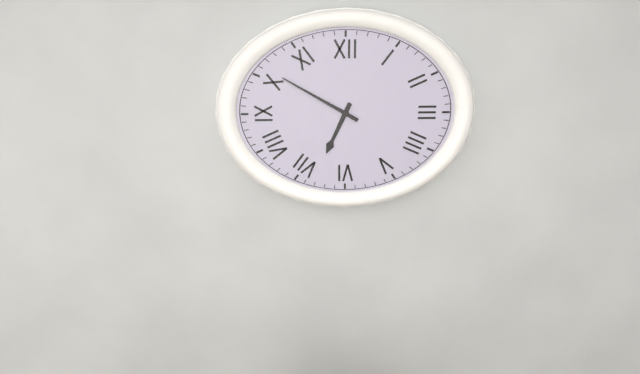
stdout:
**6:50**
